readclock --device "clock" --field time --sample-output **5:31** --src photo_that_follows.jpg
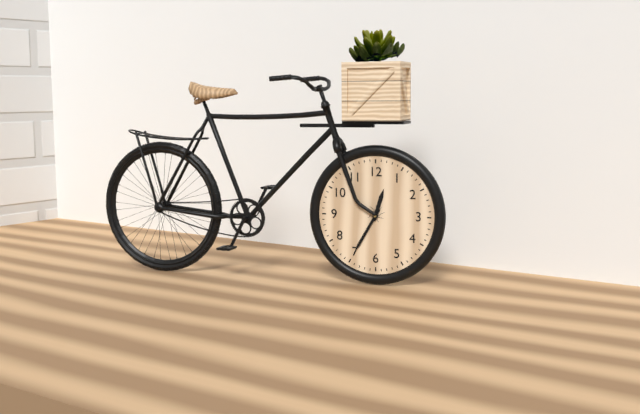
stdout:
**12:35**
